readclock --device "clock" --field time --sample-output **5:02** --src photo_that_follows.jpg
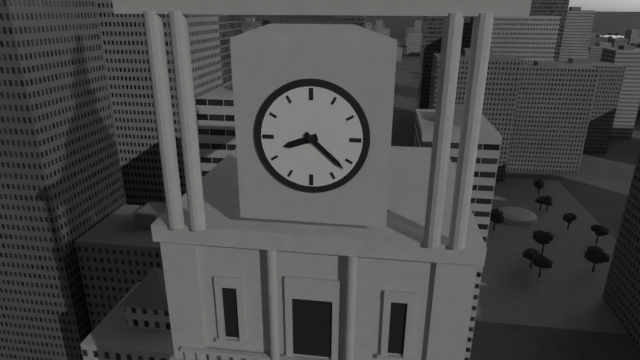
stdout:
**8:22**
